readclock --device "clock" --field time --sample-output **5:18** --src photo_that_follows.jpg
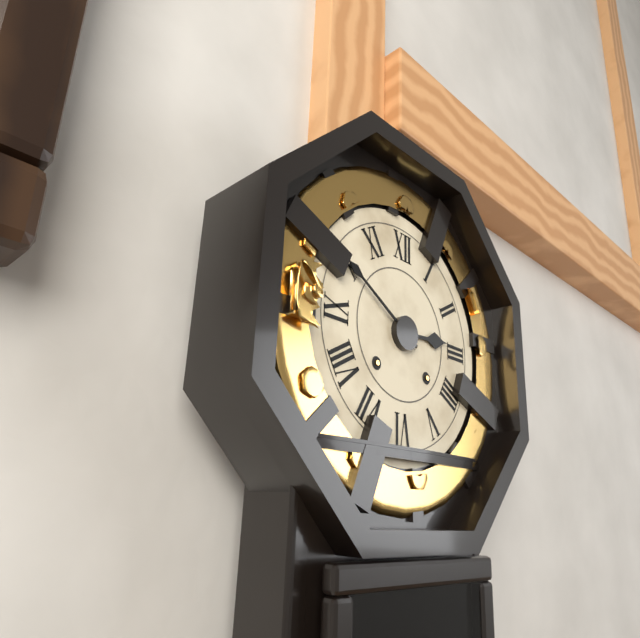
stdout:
**2:50**
